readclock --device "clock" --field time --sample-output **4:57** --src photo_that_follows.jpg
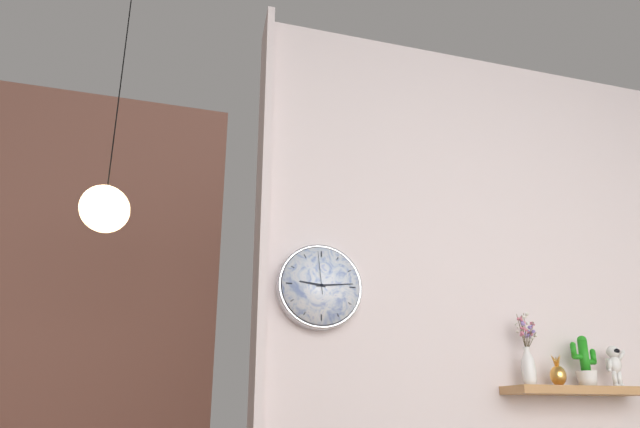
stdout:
**9:14**
